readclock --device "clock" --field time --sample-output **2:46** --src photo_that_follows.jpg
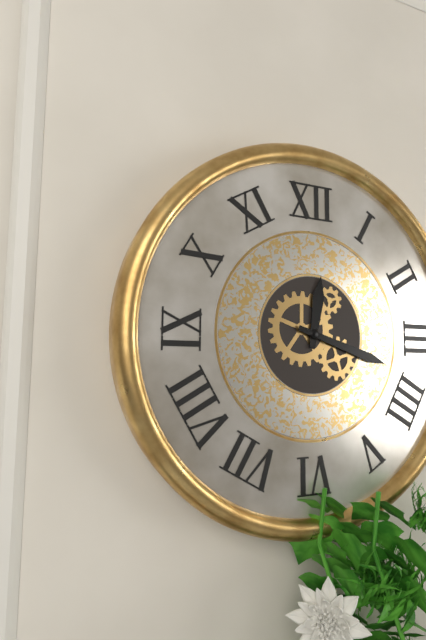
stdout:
**12:18**
